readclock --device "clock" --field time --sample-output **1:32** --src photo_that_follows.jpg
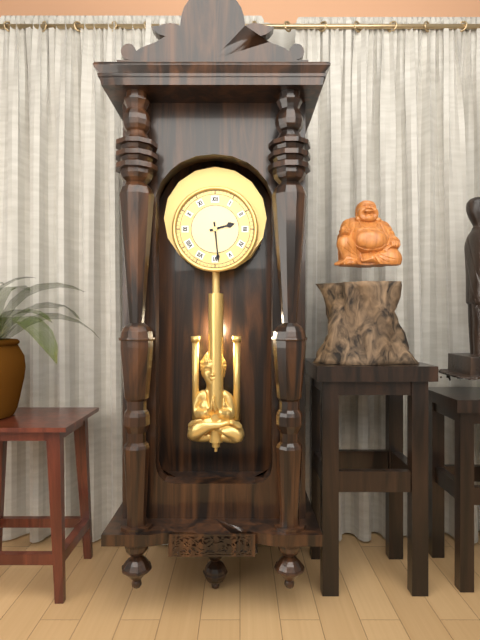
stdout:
**2:29**
